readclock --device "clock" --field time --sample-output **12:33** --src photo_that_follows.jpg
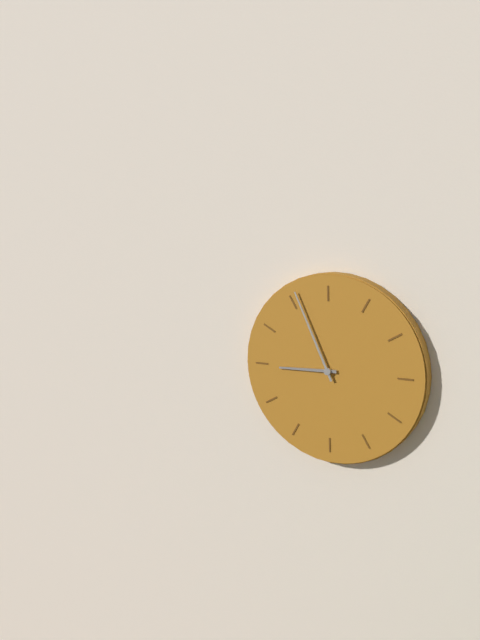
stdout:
**8:56**
